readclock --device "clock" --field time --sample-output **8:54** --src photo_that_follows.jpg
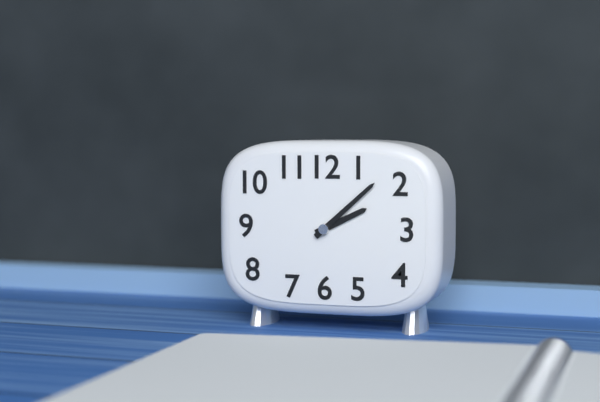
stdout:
**2:08**
